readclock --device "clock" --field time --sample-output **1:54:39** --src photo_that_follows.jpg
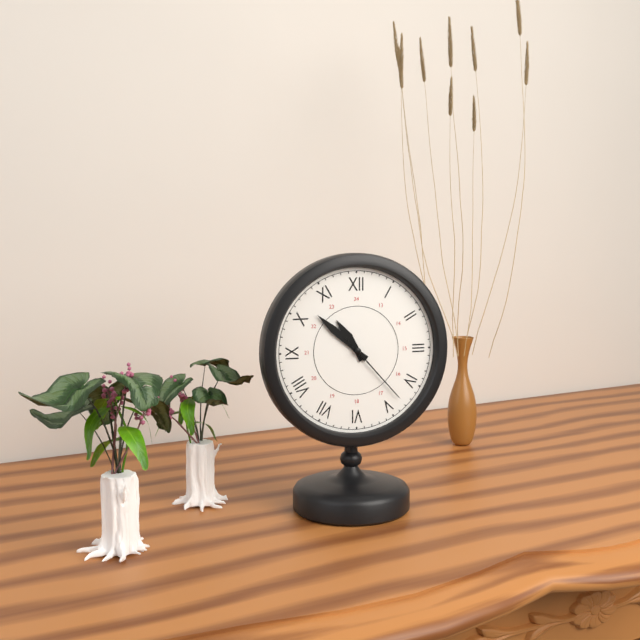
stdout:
**10:52:23**
